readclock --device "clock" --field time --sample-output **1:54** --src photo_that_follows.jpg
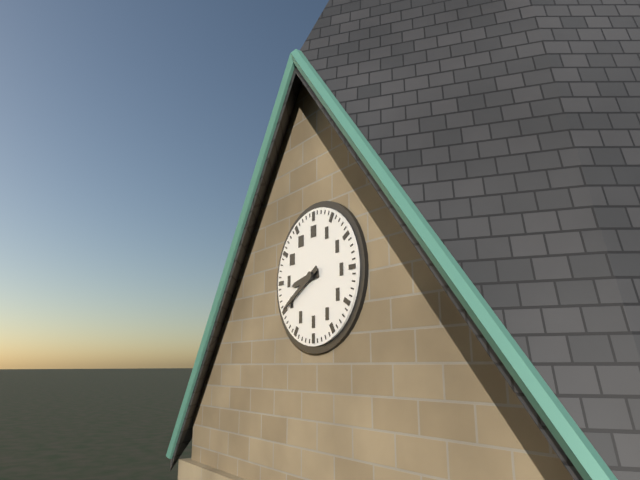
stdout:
**8:40**
